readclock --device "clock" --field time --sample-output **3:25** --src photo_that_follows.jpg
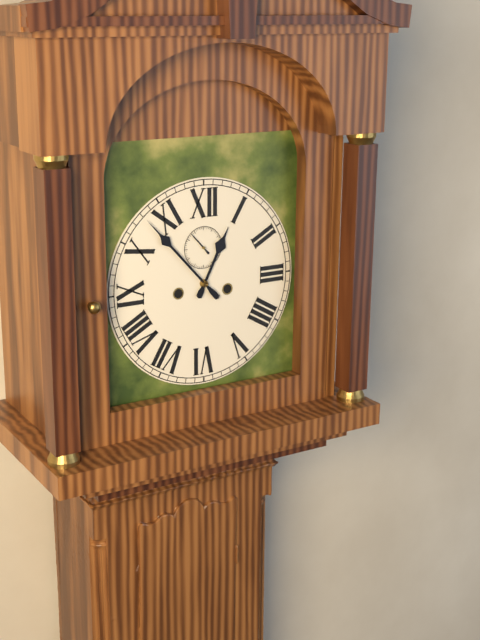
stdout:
**12:53**
